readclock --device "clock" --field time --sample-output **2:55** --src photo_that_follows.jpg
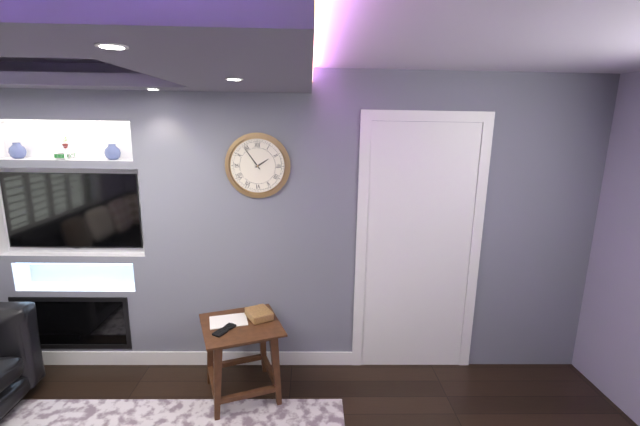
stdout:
**1:54**
